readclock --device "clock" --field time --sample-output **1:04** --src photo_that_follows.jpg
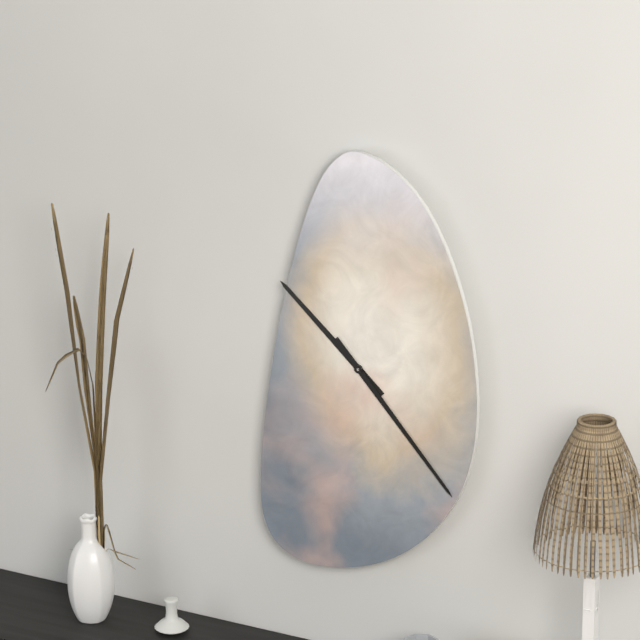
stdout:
**10:23**
